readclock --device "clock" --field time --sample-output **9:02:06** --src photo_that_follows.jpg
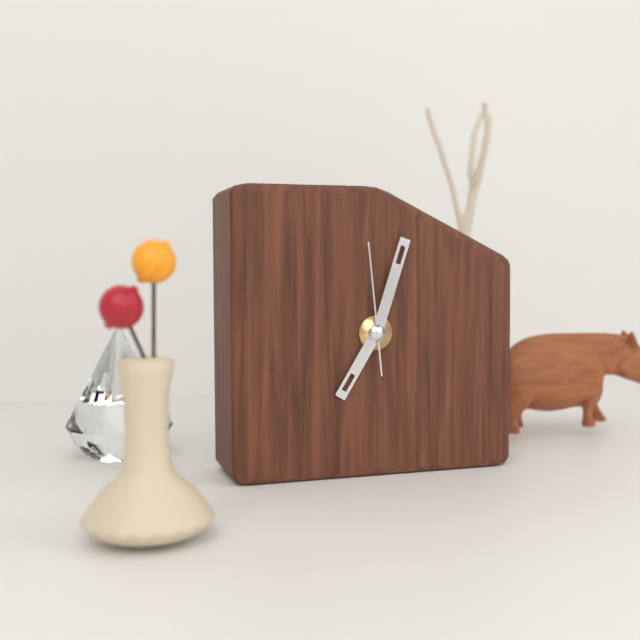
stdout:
**7:03:59**
